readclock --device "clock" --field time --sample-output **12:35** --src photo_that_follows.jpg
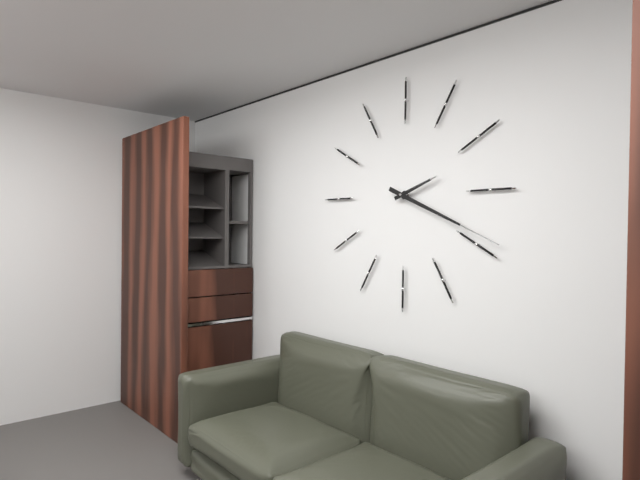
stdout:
**2:19**
